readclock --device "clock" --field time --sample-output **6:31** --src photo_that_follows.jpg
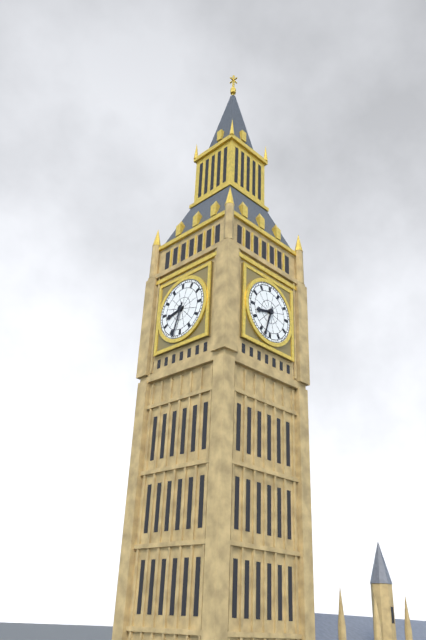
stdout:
**8:33**
